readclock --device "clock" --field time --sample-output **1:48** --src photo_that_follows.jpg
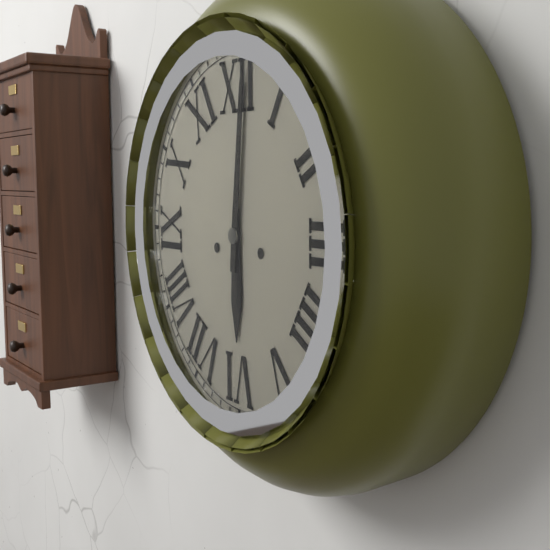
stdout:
**6:01**
